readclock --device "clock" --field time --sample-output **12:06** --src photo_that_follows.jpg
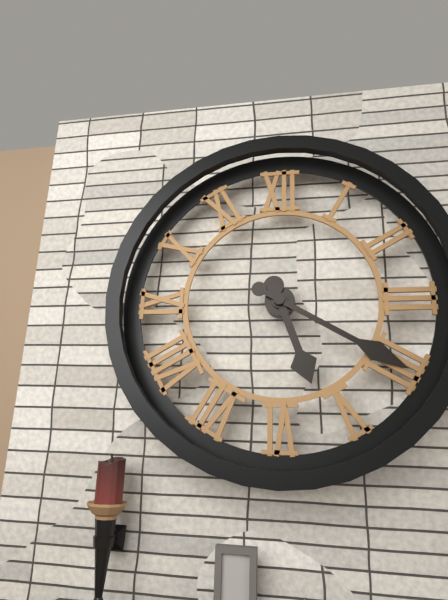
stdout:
**5:20**
